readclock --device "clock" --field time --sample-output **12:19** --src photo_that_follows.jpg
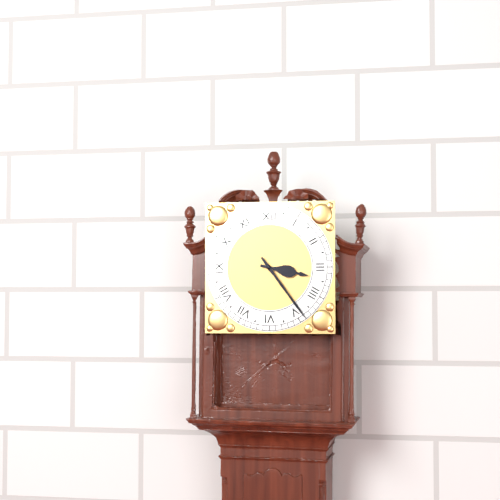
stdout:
**3:24**
